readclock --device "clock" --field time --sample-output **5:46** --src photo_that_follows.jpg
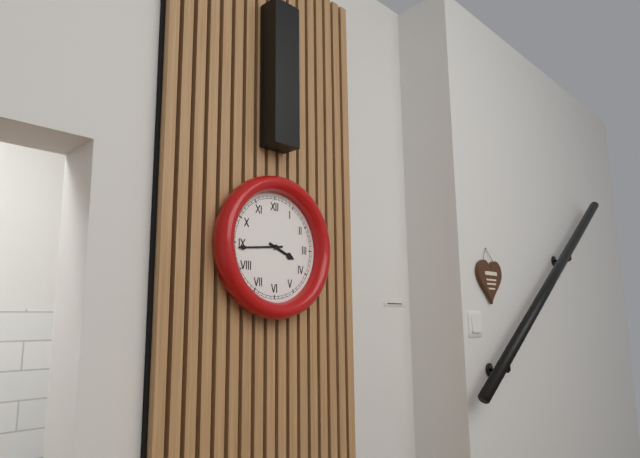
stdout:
**3:44**
